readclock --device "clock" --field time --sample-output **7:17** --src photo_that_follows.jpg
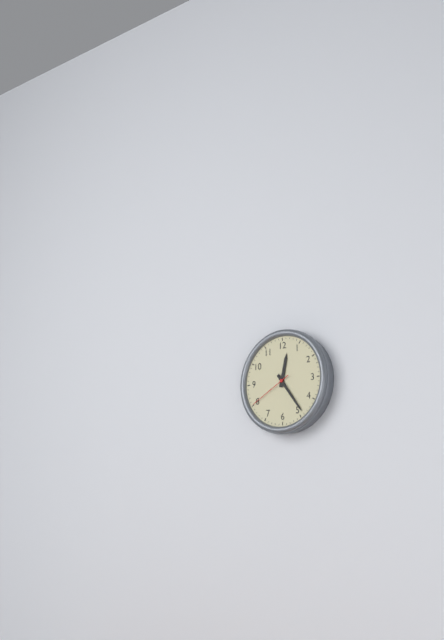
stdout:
**12:24**
